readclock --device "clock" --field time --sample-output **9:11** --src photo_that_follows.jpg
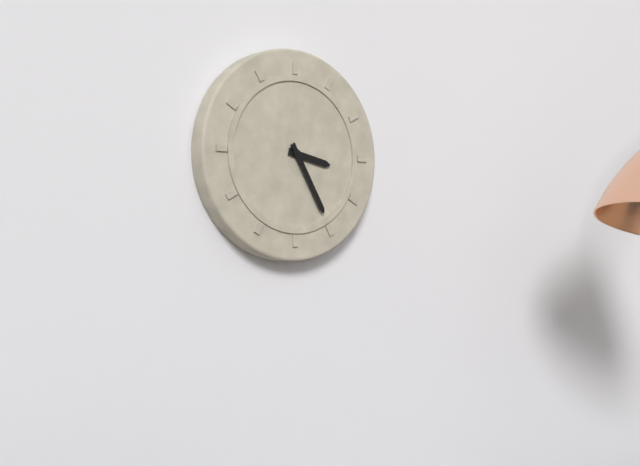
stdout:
**3:25**
